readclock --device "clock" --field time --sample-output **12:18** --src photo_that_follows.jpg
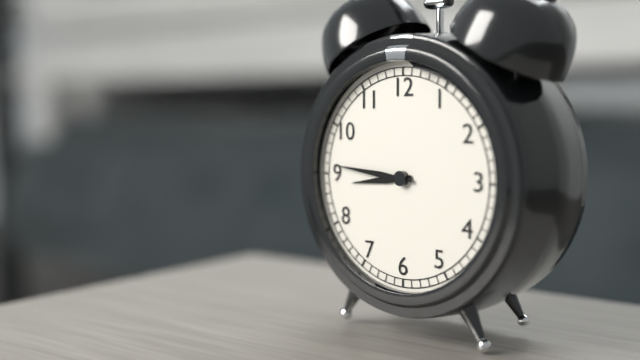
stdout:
**8:46**
